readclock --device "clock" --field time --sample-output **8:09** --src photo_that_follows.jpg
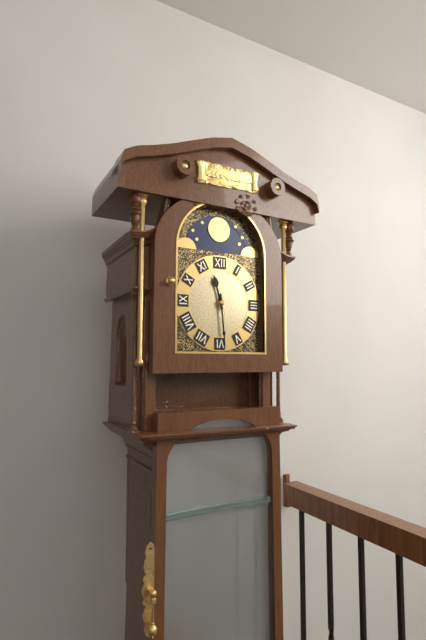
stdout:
**11:29**
